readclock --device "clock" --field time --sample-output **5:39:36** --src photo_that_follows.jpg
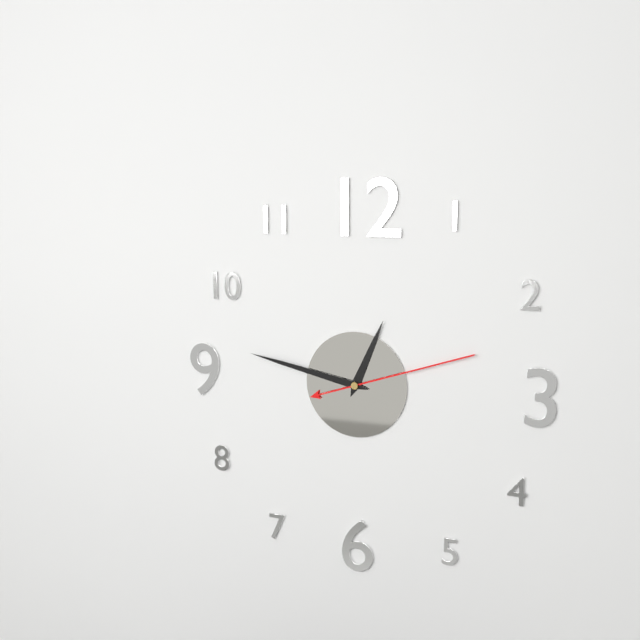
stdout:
**12:47:12**
